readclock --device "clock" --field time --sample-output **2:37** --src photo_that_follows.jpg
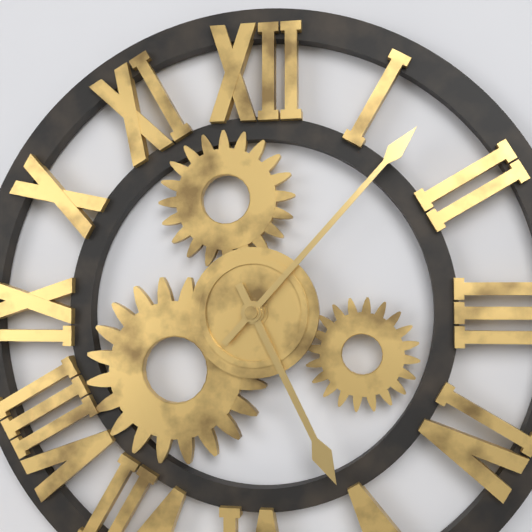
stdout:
**5:07**
